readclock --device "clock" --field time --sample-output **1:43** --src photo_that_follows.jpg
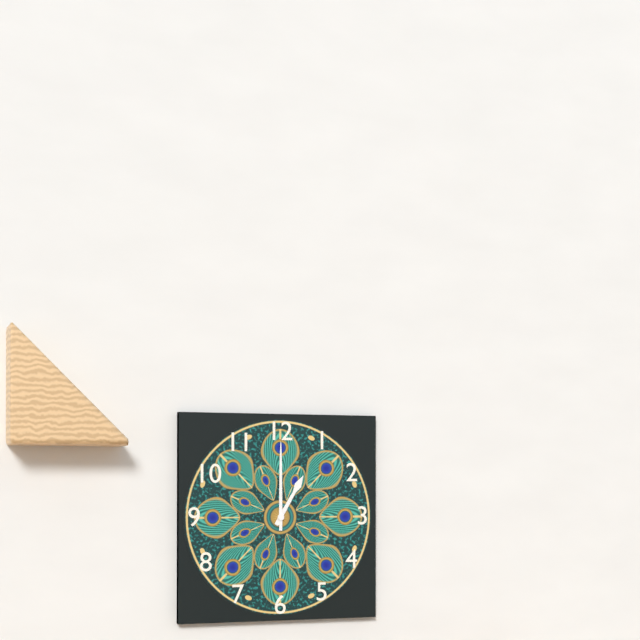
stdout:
**1:00**
